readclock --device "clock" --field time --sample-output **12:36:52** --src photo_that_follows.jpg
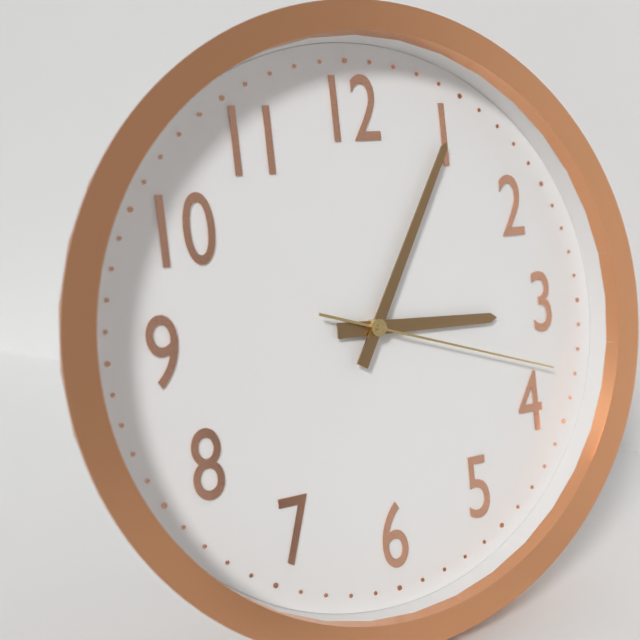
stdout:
**3:05:18**
